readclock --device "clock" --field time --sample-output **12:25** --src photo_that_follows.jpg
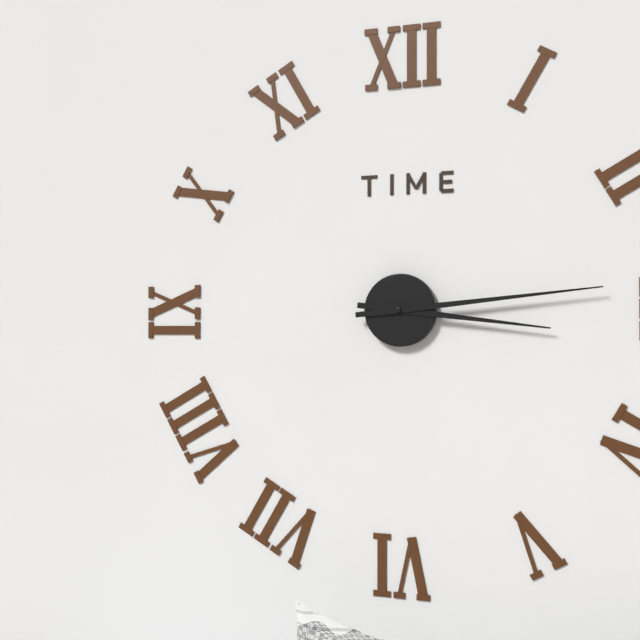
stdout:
**3:14**
